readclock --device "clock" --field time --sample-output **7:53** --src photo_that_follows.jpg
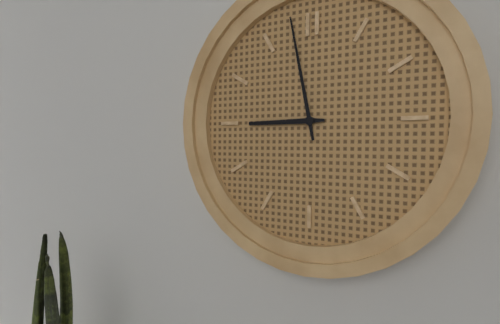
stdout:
**8:58**
